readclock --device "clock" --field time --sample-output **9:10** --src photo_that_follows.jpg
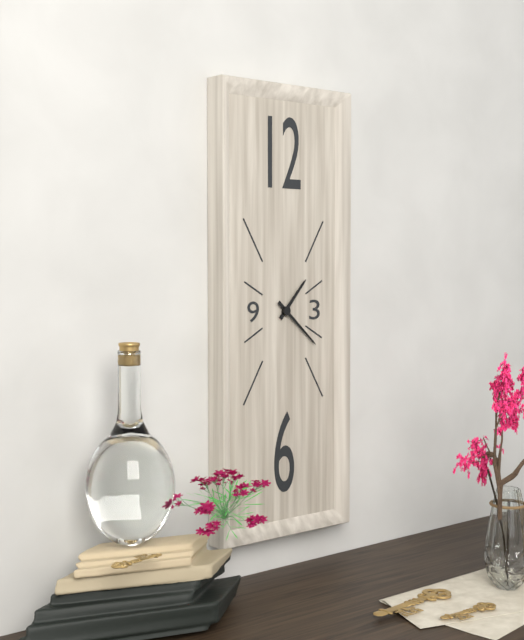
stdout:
**1:22**
